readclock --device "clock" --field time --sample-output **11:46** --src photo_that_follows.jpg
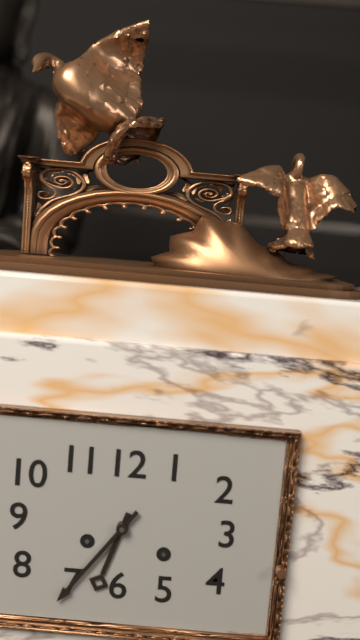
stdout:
**6:36**
